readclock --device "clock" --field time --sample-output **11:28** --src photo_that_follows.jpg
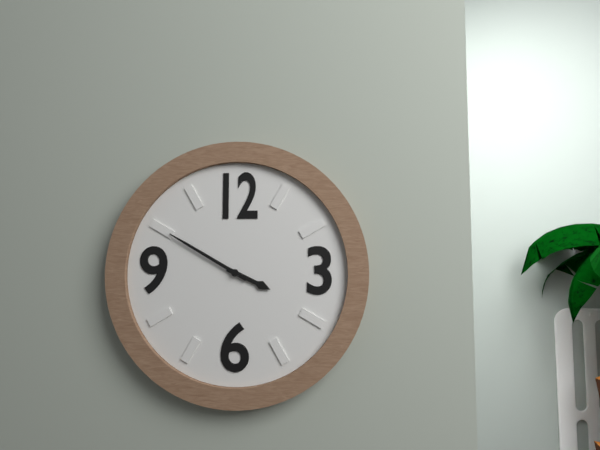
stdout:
**3:50**
